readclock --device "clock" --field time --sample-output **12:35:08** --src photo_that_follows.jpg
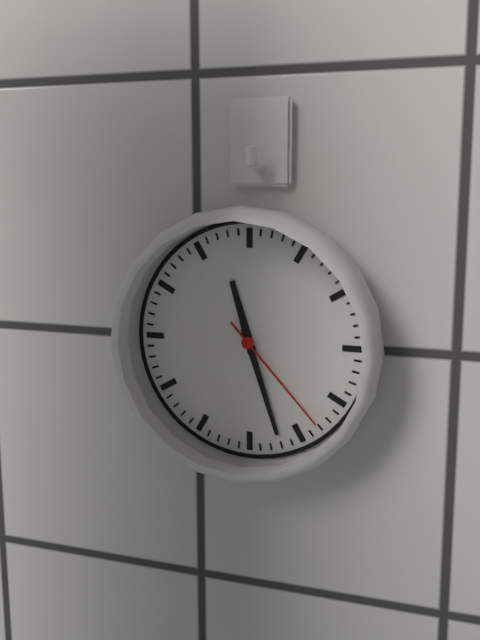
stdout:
**11:27:23**
